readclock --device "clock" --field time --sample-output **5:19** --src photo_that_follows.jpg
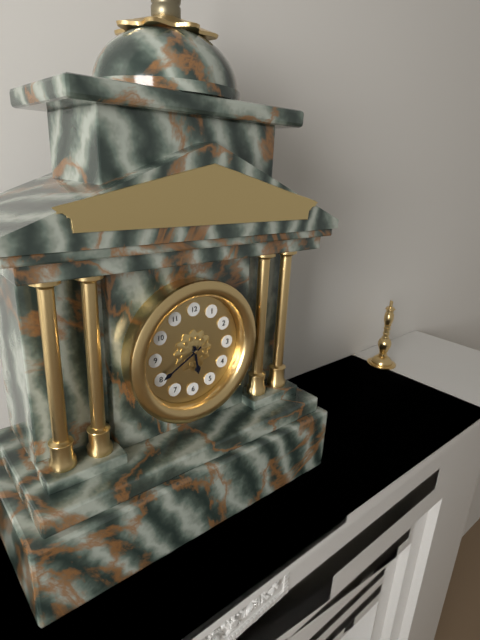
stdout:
**5:40**
